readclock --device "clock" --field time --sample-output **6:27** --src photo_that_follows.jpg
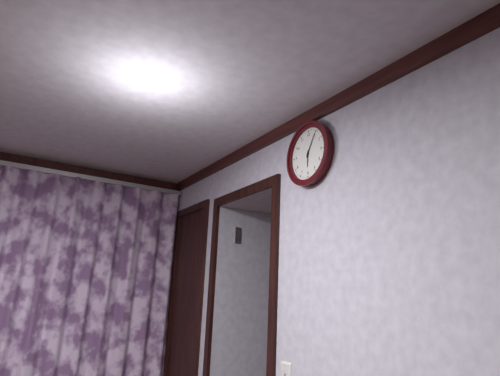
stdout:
**6:05**
